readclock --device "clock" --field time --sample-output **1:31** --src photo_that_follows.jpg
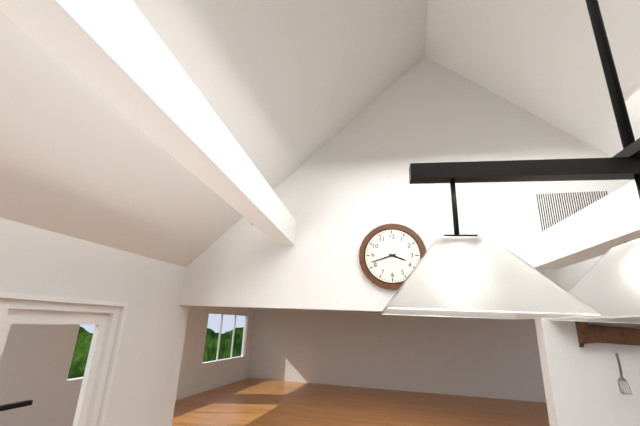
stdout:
**3:42**
